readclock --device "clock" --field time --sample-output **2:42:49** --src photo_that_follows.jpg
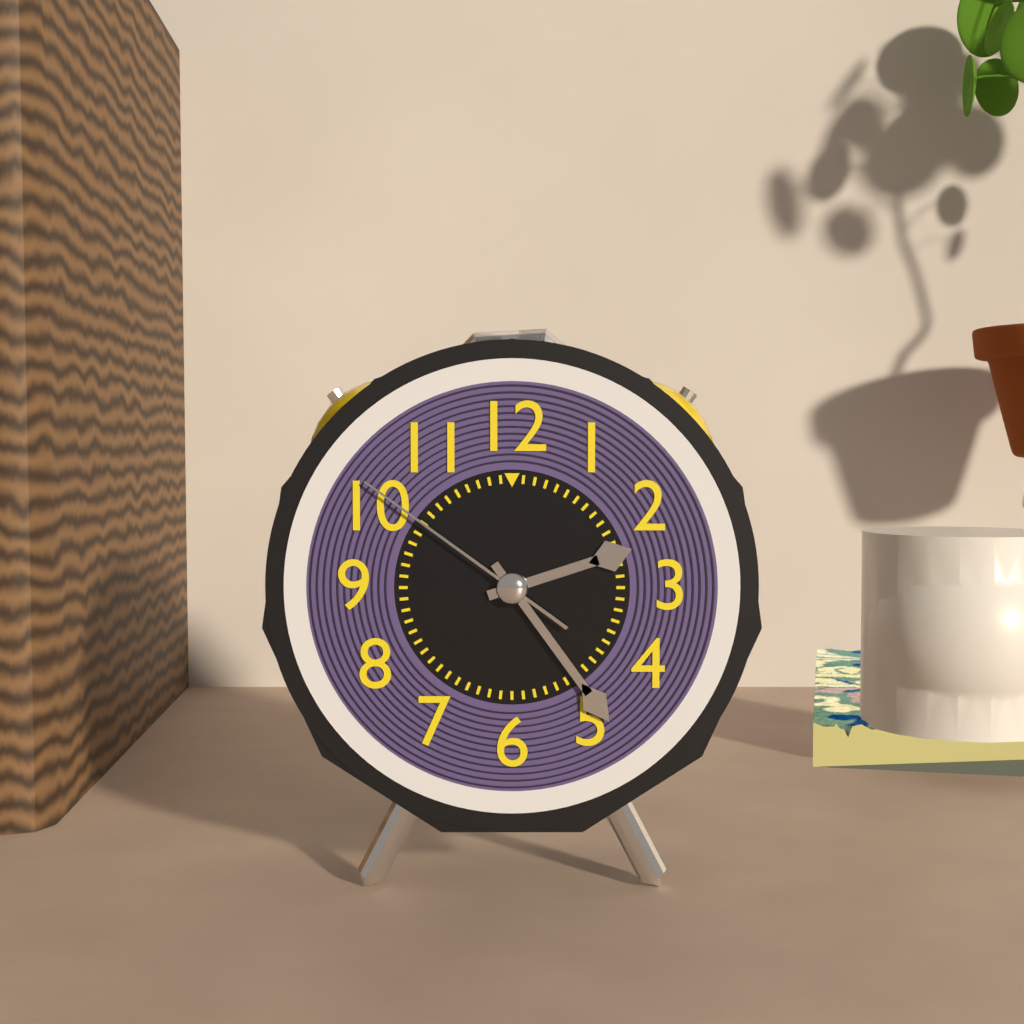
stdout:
**2:24:51**
